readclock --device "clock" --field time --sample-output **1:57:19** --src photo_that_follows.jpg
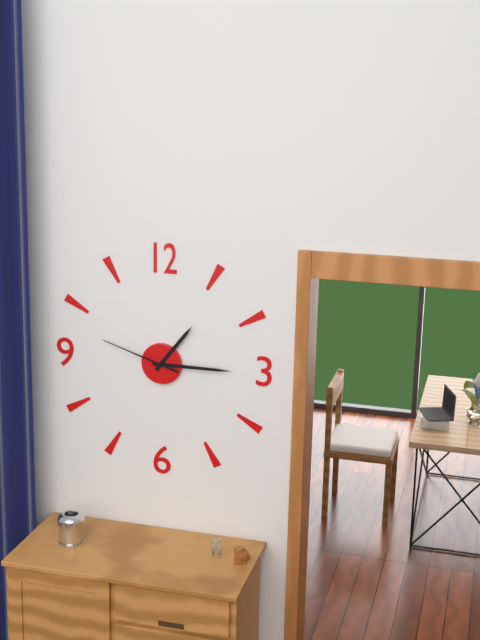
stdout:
**1:15:48**
